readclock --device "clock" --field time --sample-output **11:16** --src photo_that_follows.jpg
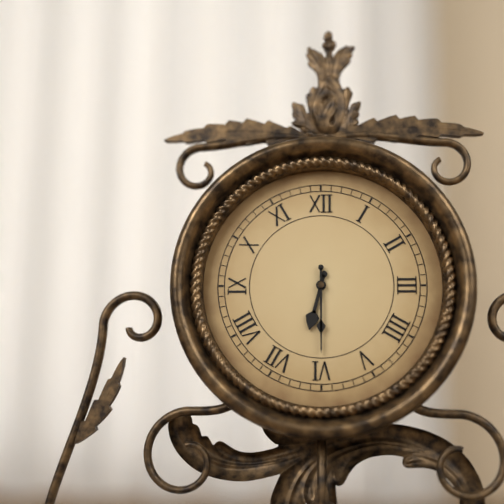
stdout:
**6:30**
